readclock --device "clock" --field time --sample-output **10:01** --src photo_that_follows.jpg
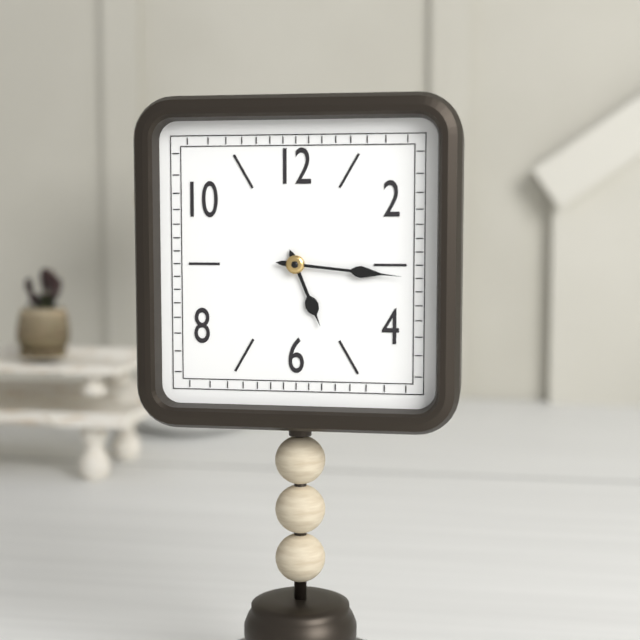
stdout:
**5:16**
